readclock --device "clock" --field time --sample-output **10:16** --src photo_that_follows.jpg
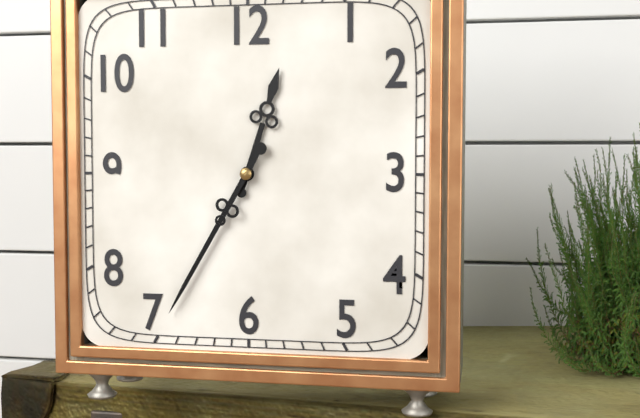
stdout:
**12:35**
